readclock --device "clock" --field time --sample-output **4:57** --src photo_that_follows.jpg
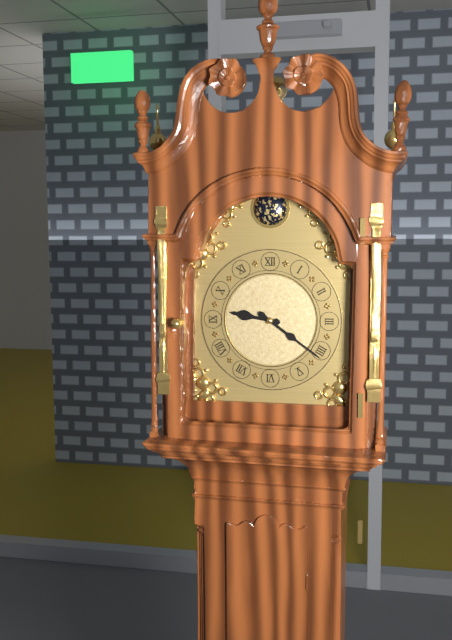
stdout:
**9:21**
